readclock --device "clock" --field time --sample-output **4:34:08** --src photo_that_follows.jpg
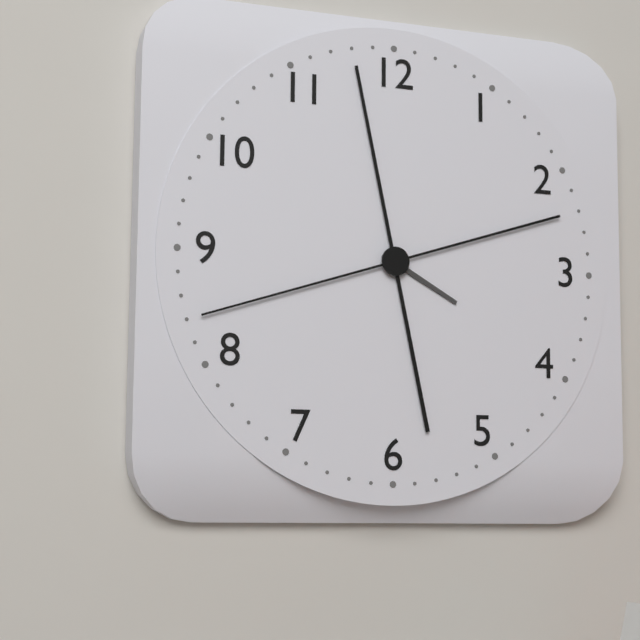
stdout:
**3:58:42**
